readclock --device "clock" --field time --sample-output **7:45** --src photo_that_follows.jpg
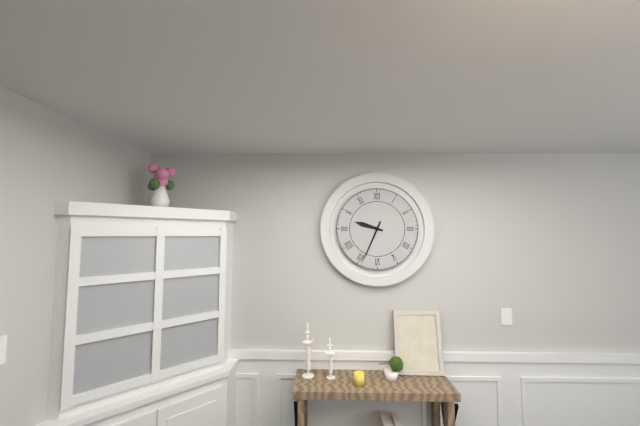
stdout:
**9:34**
